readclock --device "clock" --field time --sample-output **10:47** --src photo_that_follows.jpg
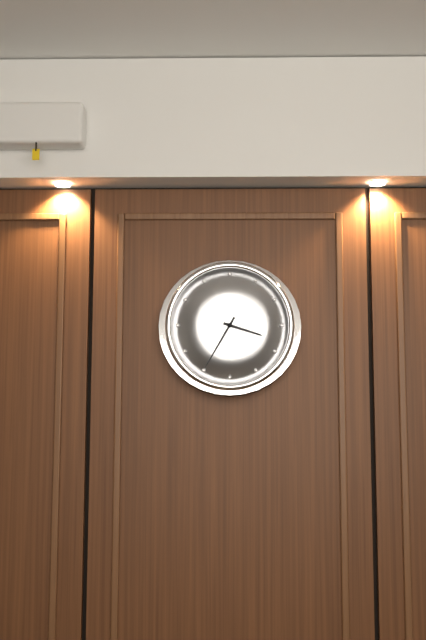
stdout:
**3:35**
